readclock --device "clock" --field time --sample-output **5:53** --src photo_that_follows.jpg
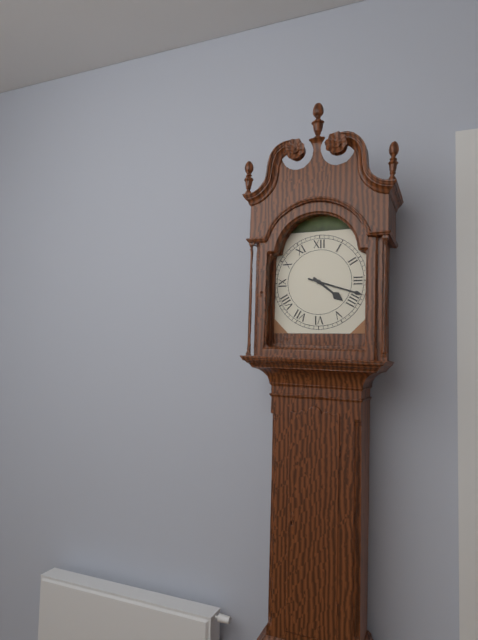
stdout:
**4:18**
